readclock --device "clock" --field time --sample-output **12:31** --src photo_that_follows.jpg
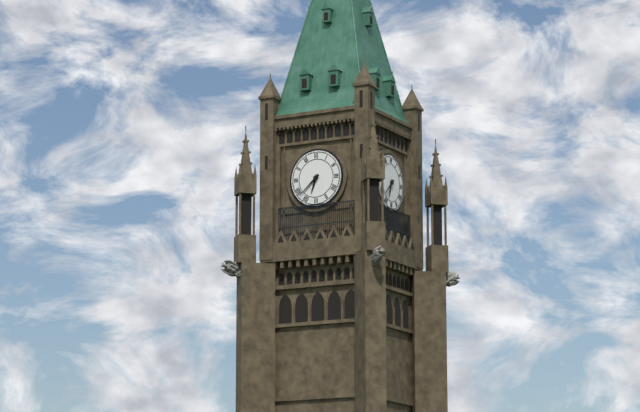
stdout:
**6:38**
